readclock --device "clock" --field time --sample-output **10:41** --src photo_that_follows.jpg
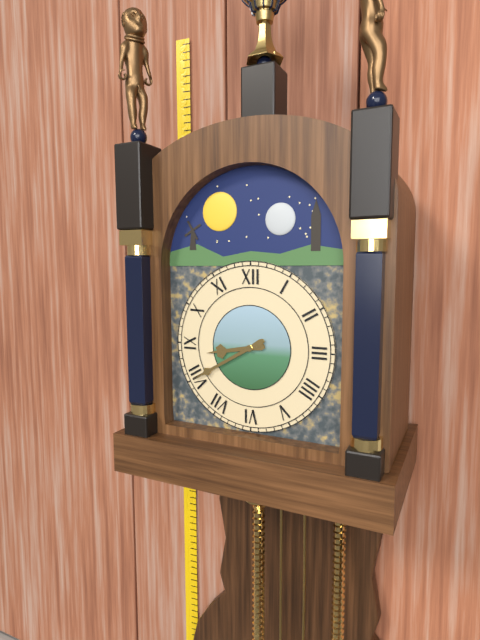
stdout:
**8:40**
